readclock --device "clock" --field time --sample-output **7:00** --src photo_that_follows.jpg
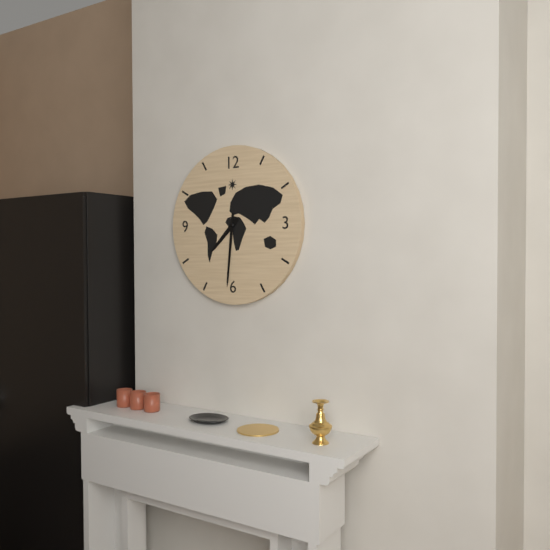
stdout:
**7:31**
